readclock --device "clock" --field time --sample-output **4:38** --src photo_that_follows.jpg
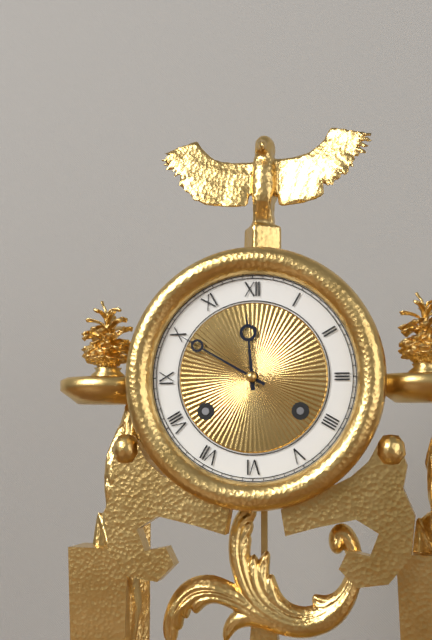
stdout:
**11:50**
